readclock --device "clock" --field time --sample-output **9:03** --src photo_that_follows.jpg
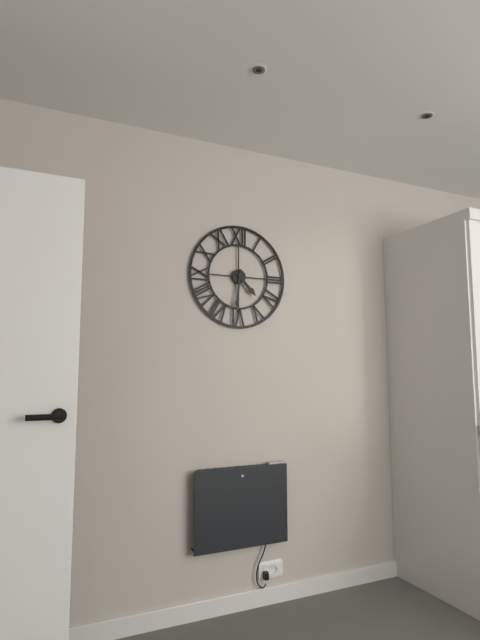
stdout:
**4:31**
